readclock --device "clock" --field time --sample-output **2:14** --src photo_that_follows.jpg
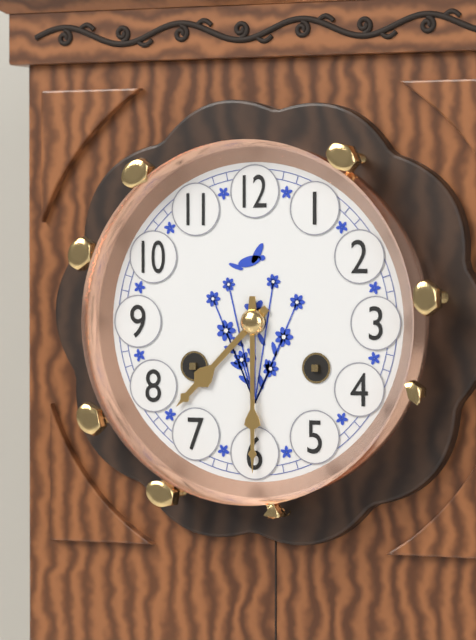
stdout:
**7:30**
